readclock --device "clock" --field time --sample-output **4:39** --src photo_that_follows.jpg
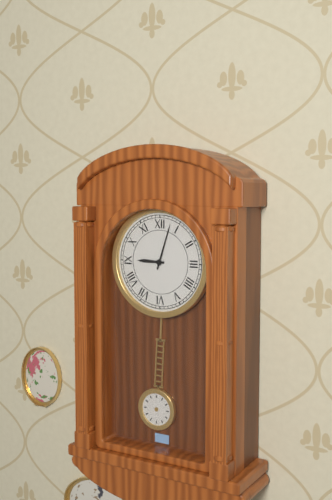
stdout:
**9:03**
